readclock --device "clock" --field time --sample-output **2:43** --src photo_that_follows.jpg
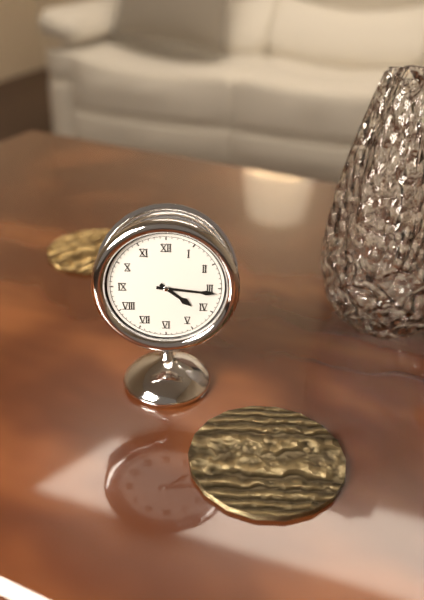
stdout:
**4:16**
